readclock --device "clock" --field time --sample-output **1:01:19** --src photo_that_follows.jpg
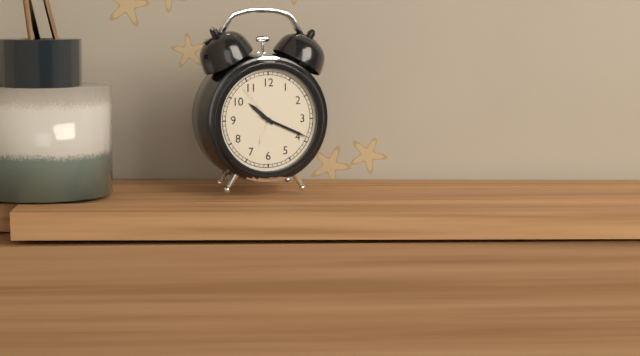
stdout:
**10:19:19**
